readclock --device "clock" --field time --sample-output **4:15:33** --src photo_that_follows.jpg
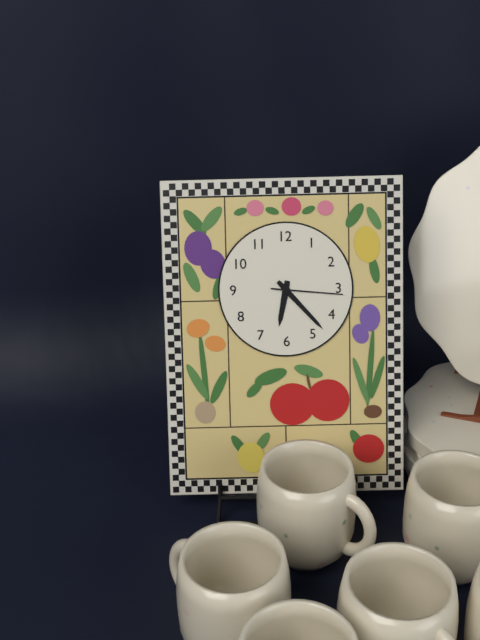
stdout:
**6:23:16**
